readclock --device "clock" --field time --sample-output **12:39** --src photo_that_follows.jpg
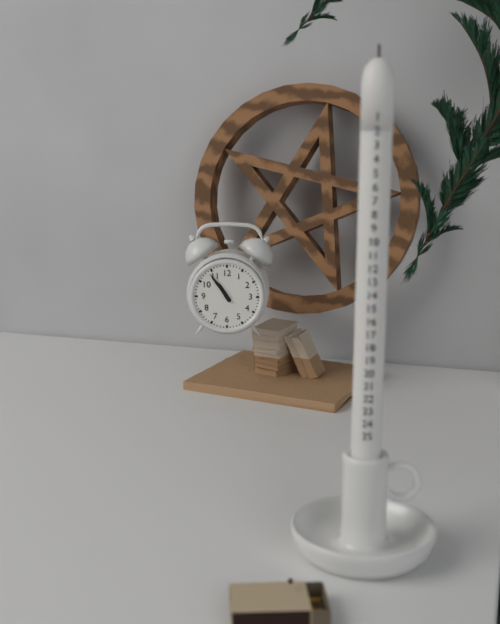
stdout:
**10:54**
